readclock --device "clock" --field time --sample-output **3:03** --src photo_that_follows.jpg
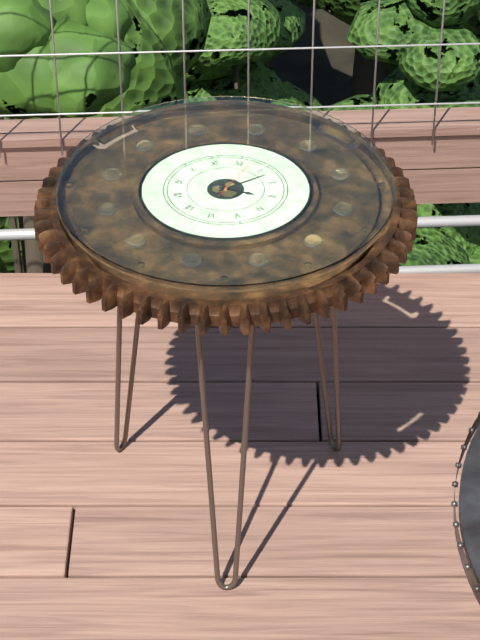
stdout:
**3:07**
